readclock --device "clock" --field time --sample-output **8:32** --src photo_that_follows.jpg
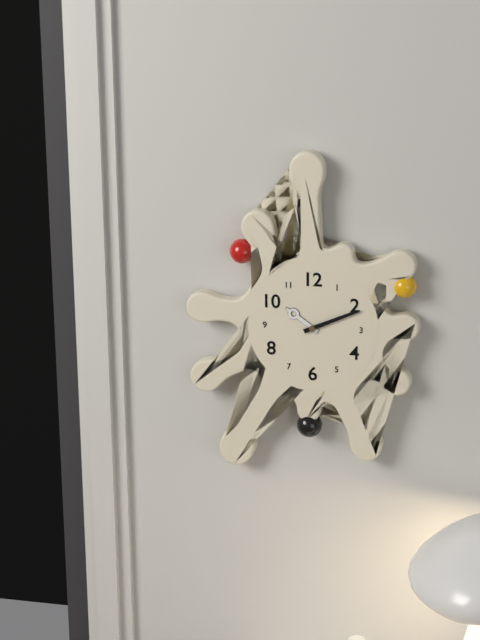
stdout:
**10:11**
